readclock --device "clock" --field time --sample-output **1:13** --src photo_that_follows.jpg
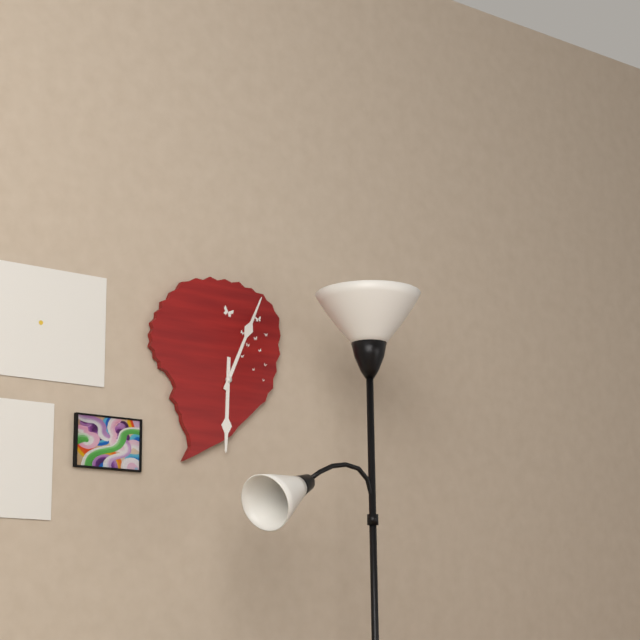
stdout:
**6:04**
